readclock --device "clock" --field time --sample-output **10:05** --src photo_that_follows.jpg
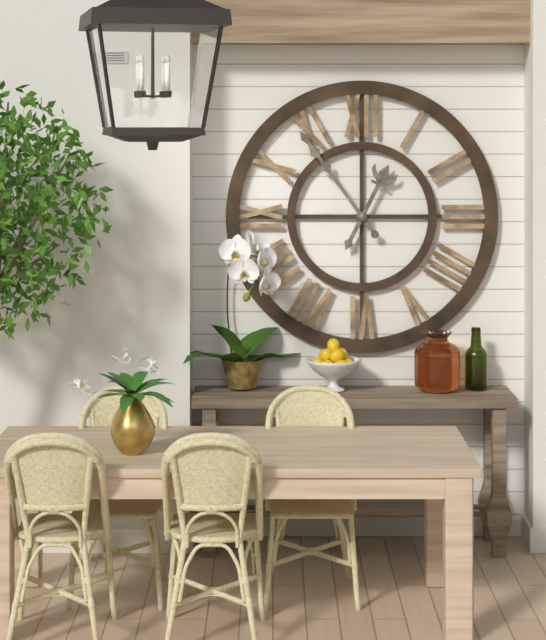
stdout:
**12:54**
